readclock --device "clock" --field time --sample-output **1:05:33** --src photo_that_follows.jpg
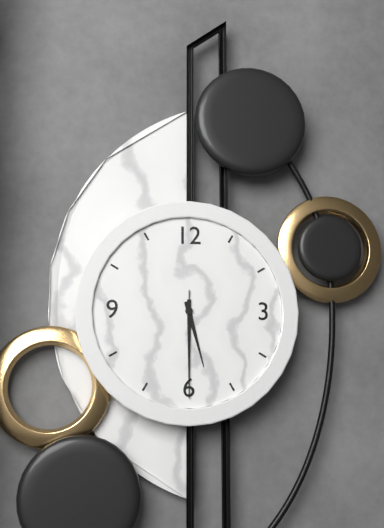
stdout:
**5:30:30**
